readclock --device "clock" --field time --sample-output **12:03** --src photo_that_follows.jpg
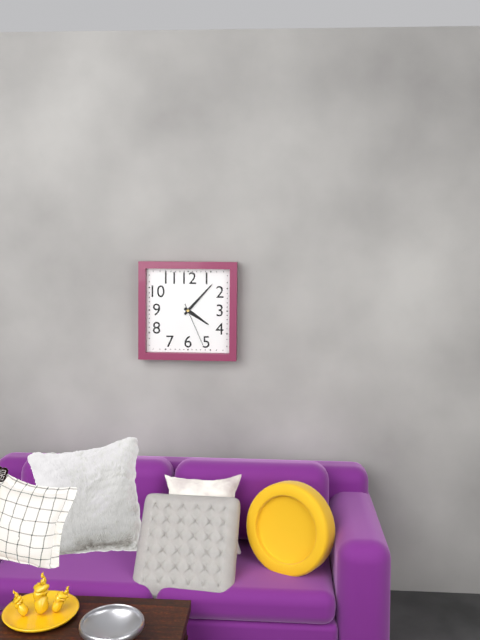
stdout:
**4:07**
